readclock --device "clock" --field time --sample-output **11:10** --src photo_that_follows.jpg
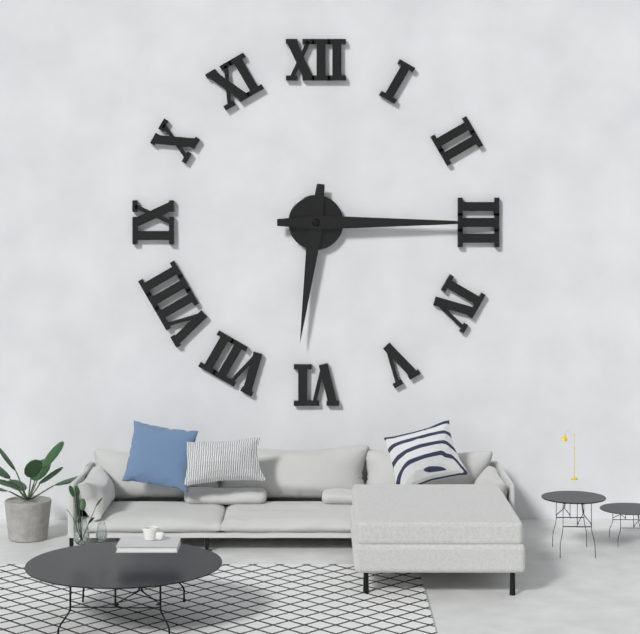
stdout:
**6:15**
